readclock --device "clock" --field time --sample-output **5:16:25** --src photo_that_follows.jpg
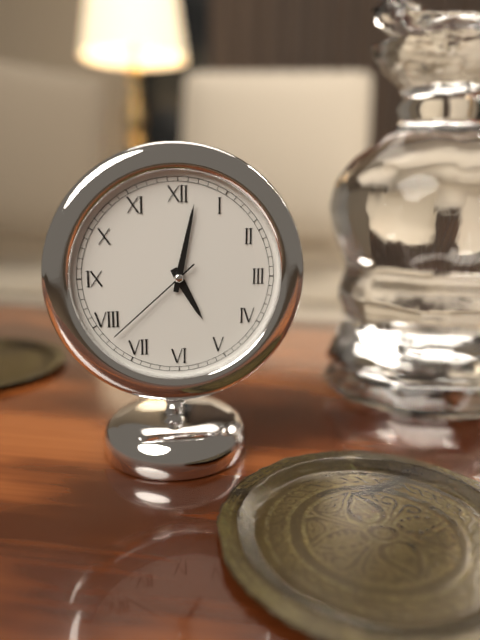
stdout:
**5:02:38**
